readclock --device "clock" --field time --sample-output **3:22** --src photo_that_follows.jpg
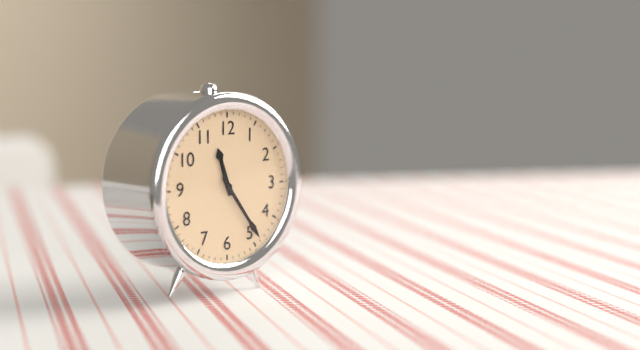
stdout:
**11:24**
